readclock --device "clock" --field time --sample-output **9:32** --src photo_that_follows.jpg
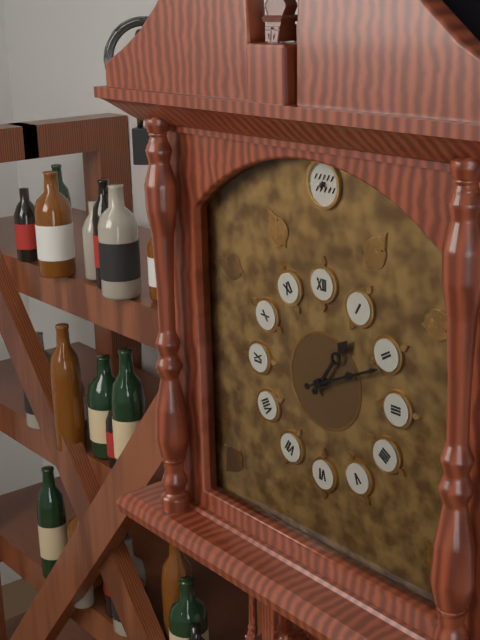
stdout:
**1:11**
